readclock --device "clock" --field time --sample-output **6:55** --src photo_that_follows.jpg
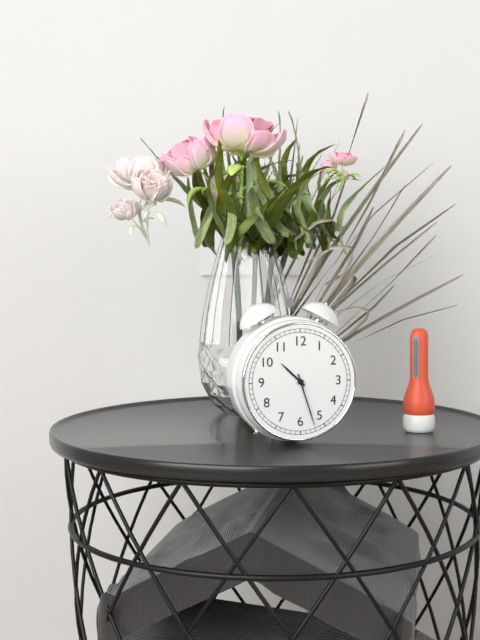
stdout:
**10:27**
